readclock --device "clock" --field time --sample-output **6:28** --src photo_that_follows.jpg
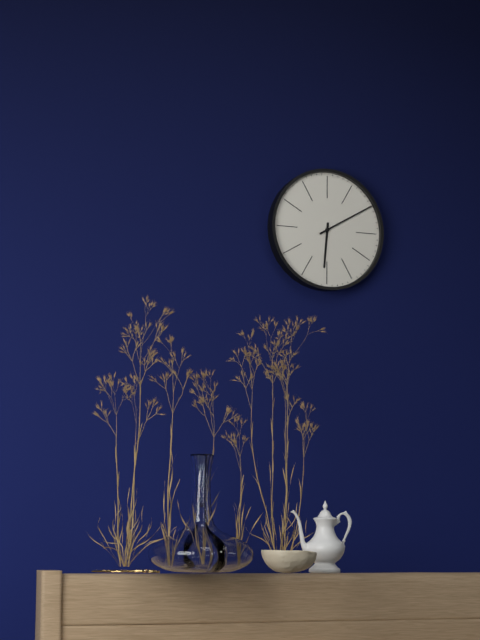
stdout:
**6:10**
